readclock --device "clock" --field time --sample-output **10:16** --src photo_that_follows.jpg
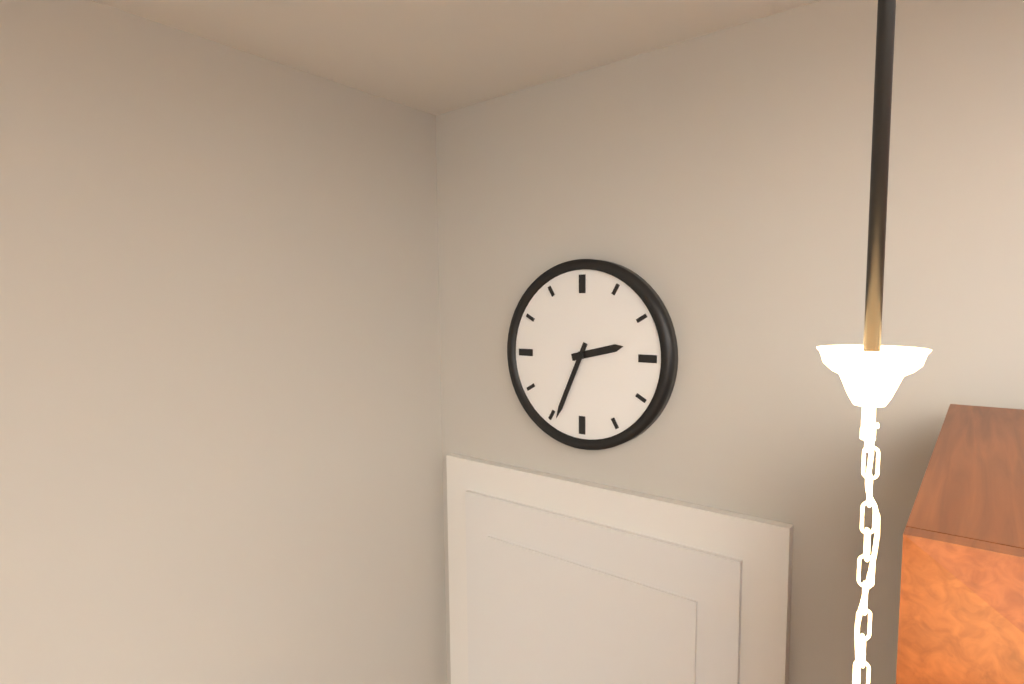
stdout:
**2:34**
